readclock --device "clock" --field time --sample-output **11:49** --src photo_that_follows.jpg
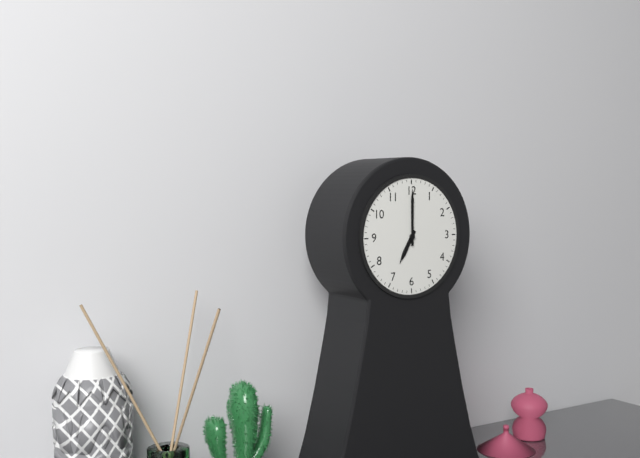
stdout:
**7:00**
